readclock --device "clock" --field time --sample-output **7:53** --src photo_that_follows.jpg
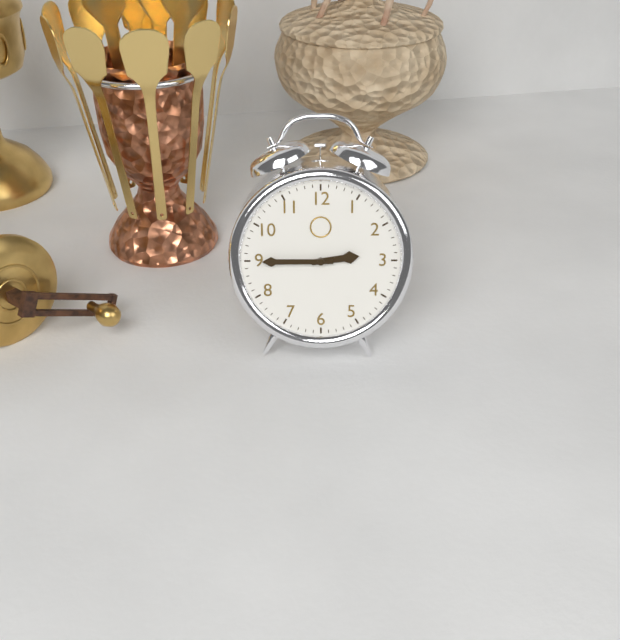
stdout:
**2:45**
